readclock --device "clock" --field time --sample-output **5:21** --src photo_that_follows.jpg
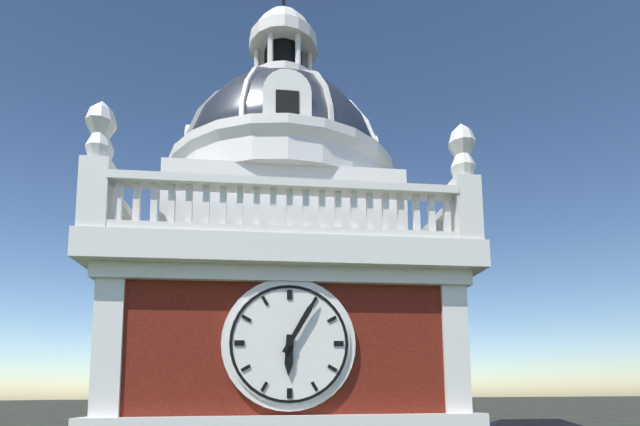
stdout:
**6:05**
